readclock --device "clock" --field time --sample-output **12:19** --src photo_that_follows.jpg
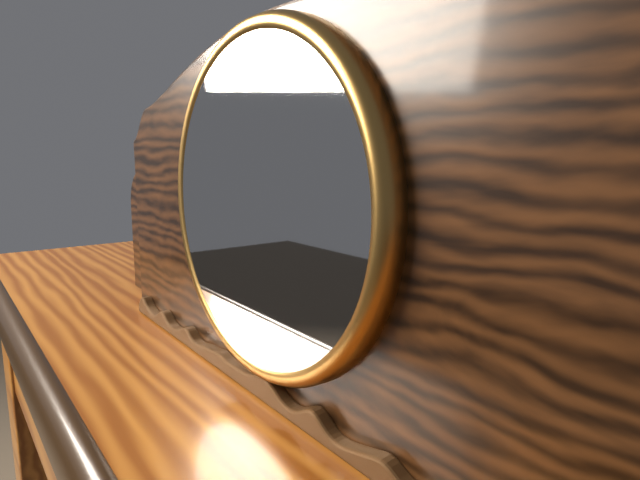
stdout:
**6:23**
